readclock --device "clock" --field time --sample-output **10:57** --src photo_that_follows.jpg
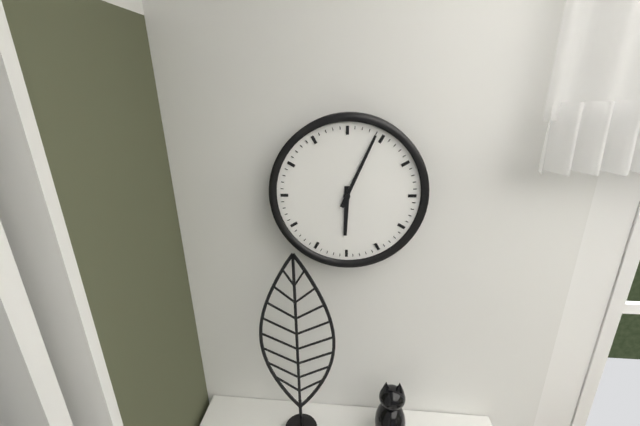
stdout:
**6:04**
